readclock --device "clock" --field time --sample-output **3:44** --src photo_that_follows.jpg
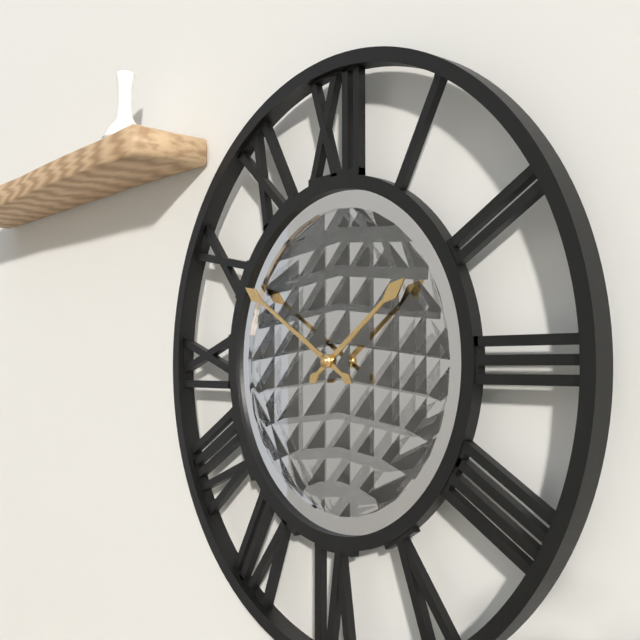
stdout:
**1:50**
